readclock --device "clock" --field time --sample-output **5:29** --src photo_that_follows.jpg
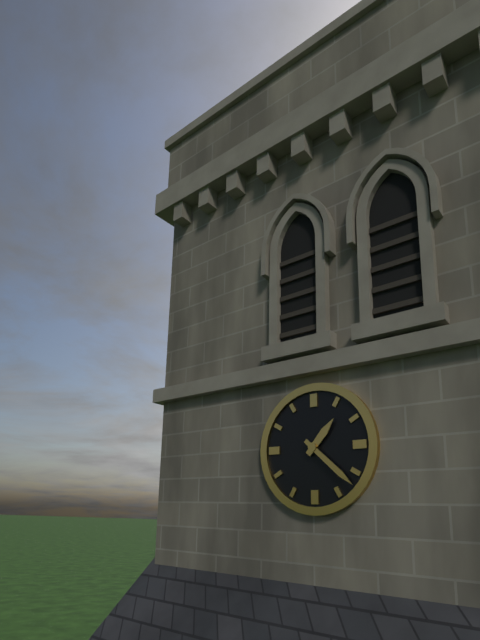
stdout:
**1:22**
